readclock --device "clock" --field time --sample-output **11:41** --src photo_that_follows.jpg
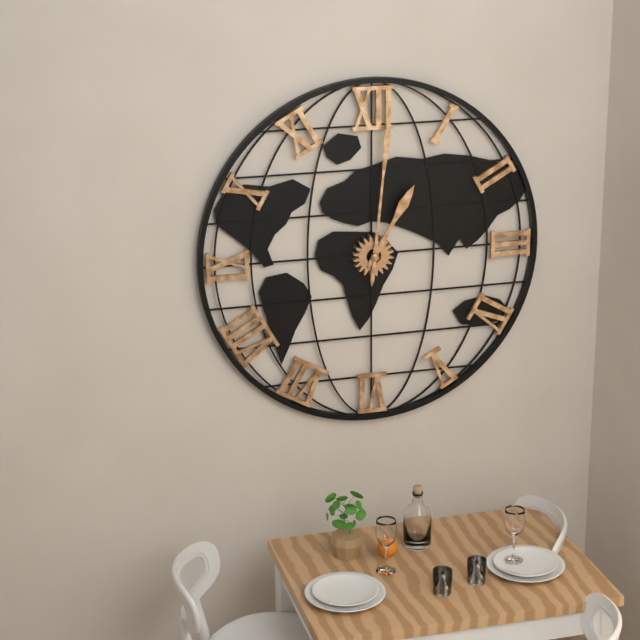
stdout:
**1:01**
